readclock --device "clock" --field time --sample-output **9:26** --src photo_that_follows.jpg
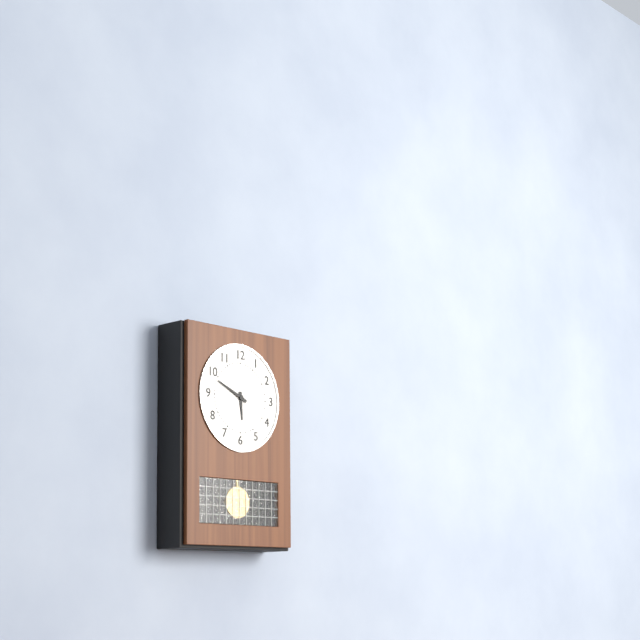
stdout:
**5:49**
